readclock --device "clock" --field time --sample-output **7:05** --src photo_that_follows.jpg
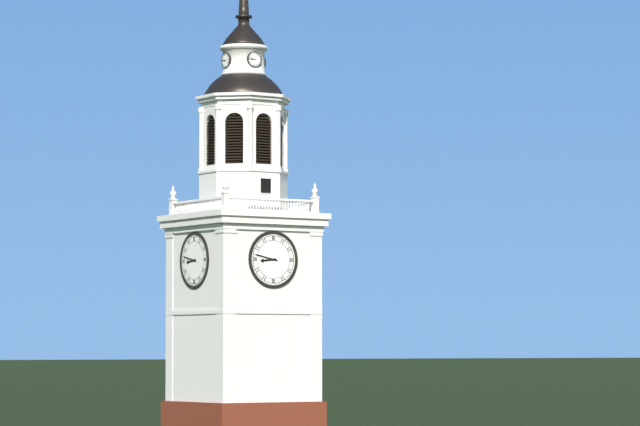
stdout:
**8:47**
